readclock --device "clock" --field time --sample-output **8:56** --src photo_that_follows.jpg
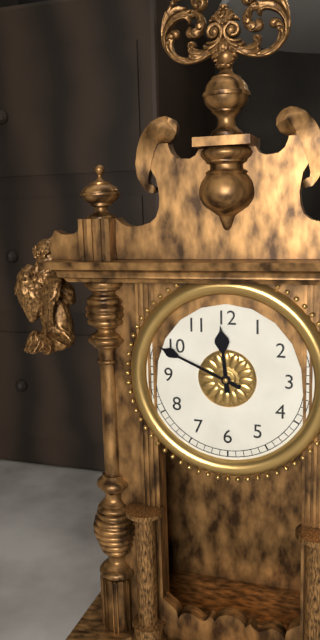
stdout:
**11:49**
